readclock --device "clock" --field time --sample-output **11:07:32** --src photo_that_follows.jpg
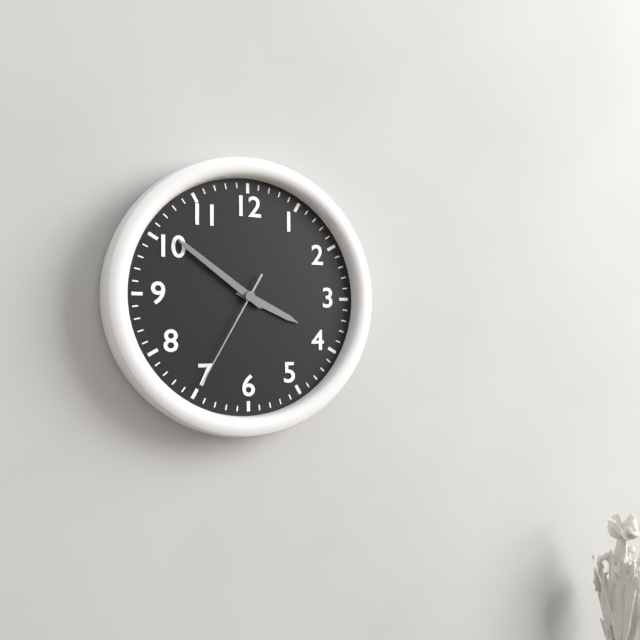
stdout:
**3:51:35**
